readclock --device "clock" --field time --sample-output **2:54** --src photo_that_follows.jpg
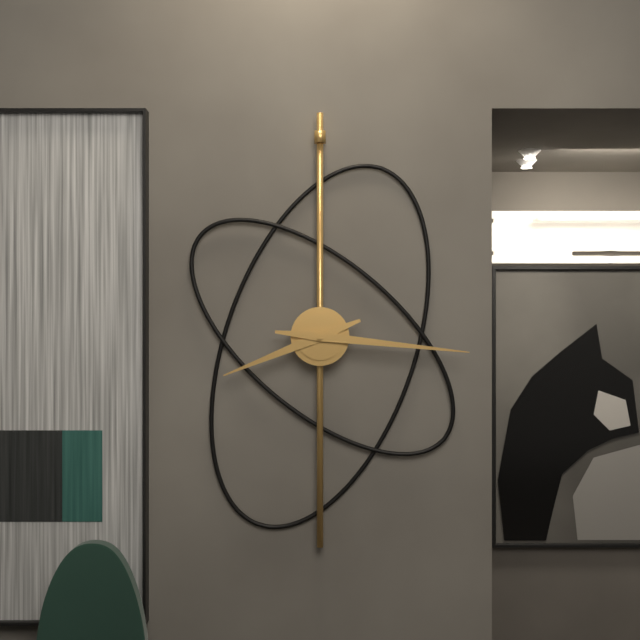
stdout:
**8:16**
